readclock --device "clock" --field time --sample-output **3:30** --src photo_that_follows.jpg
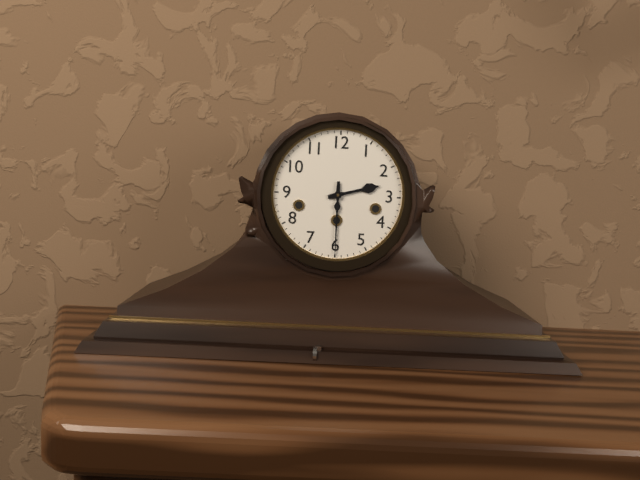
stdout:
**2:30**
